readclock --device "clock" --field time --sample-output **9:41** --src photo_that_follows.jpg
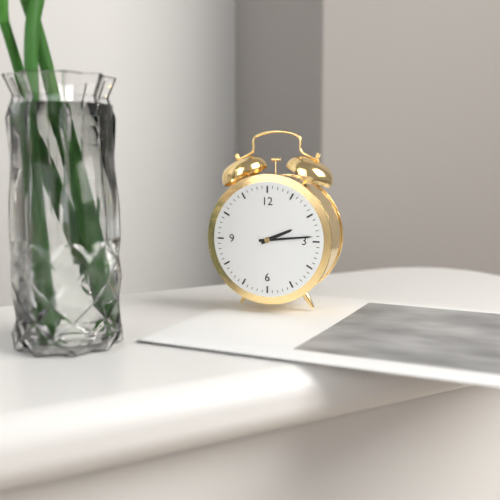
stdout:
**2:14**
